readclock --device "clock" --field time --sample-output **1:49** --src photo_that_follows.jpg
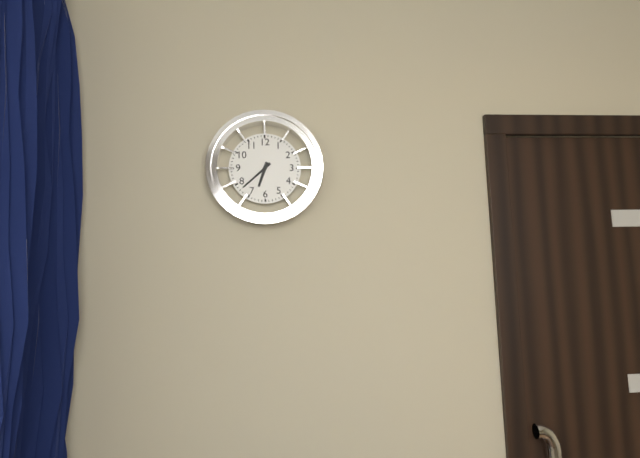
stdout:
**6:38**
